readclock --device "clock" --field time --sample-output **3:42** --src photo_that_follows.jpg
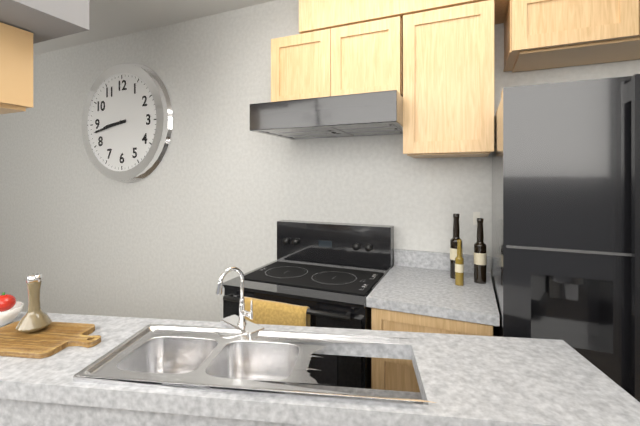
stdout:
**8:43**
